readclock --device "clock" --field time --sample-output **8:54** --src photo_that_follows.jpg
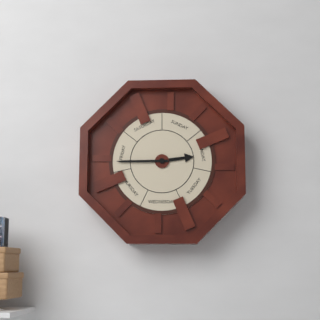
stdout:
**2:45**
